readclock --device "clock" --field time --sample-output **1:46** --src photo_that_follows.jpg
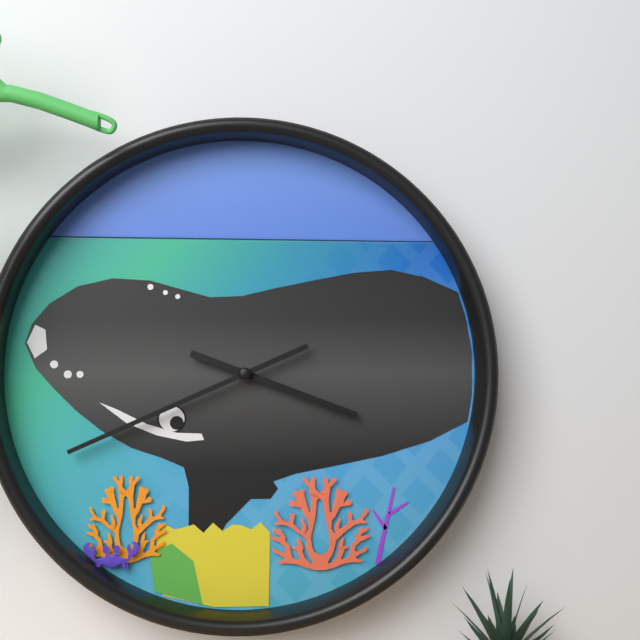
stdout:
**3:41**
